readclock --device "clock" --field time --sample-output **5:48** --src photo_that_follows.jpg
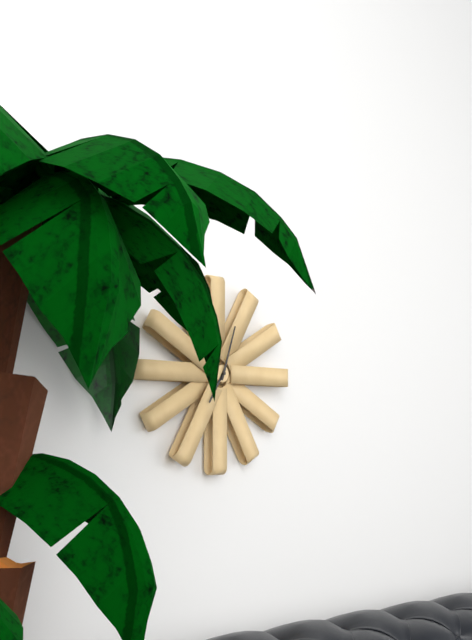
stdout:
**7:03**
